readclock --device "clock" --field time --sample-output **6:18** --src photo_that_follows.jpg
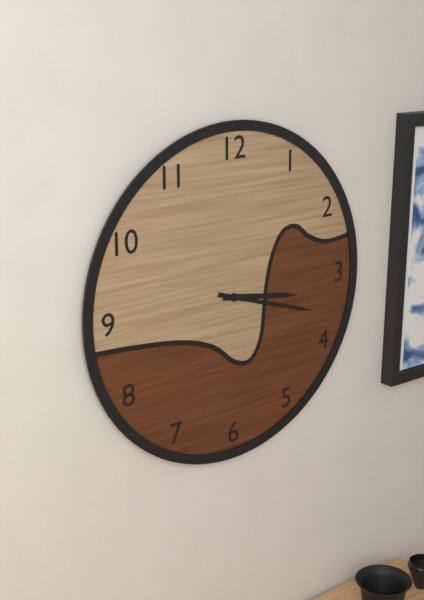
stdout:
**3:18**
